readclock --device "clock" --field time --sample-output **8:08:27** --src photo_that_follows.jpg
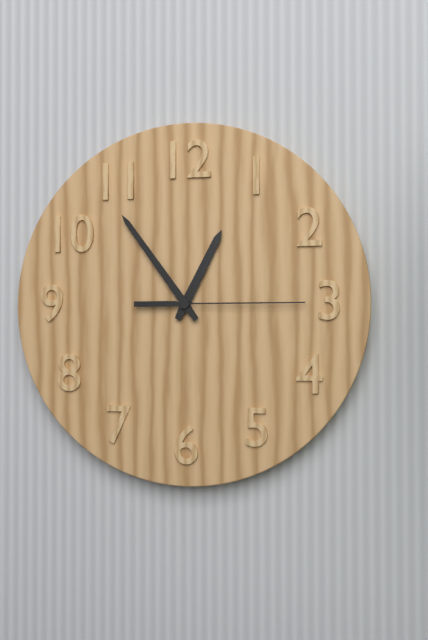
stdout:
**12:54:15**
